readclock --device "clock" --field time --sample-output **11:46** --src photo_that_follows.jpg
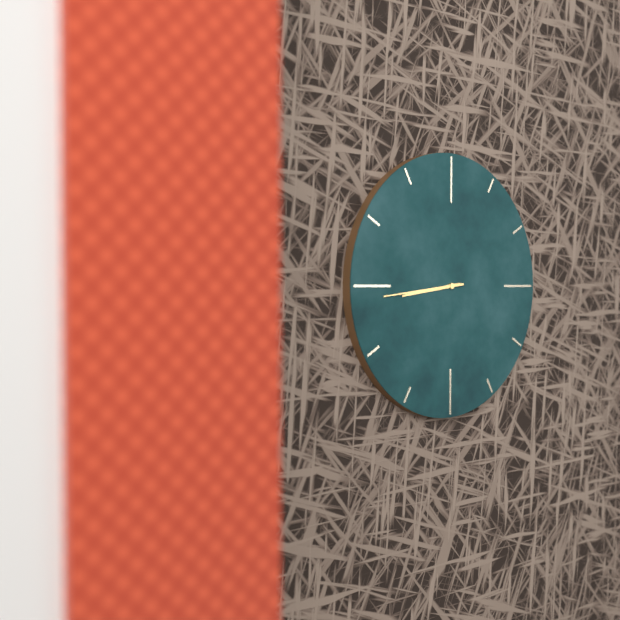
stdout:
**8:44**
